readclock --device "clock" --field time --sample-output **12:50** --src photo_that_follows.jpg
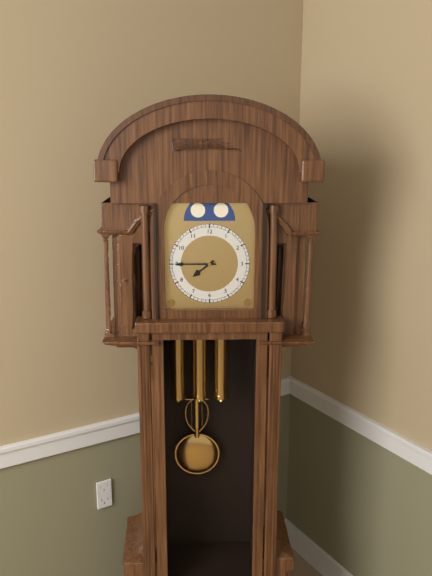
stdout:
**7:45**
